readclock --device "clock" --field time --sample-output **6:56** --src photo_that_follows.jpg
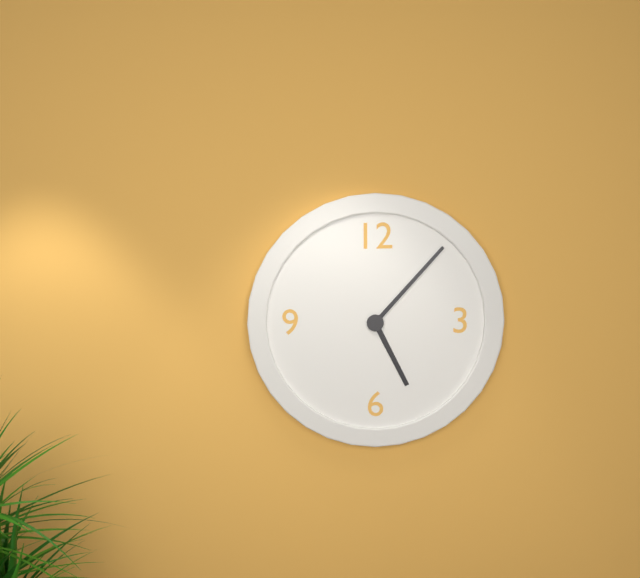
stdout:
**5:07**
